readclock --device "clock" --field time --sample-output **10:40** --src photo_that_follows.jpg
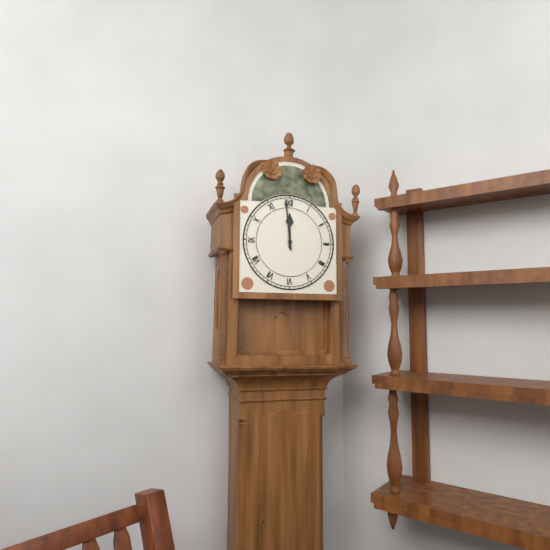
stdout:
**11:59**
